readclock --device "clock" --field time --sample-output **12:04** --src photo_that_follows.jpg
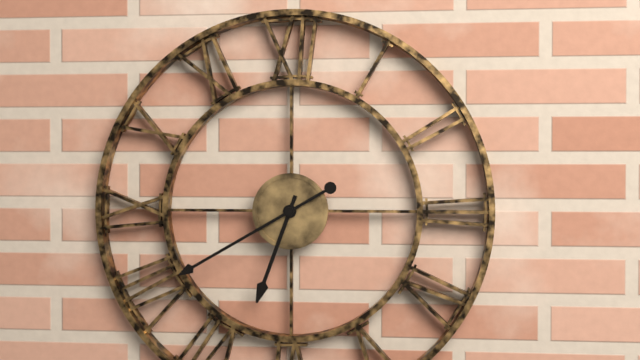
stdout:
**6:40**
